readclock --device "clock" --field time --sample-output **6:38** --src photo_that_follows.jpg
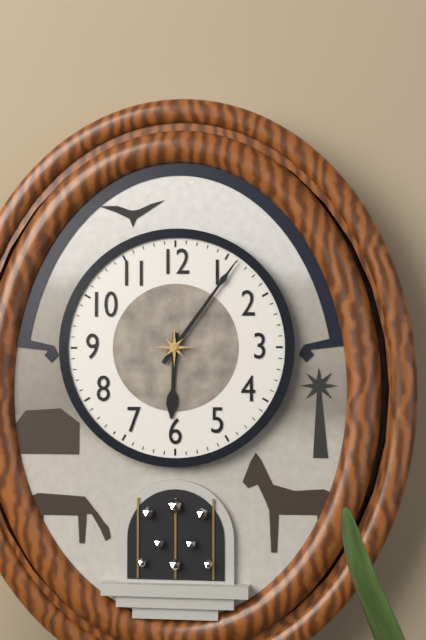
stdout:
**6:06**
